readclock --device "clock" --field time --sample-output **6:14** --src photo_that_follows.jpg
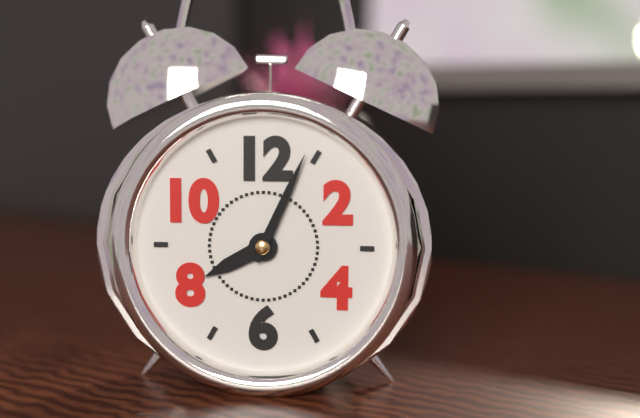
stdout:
**8:04**
